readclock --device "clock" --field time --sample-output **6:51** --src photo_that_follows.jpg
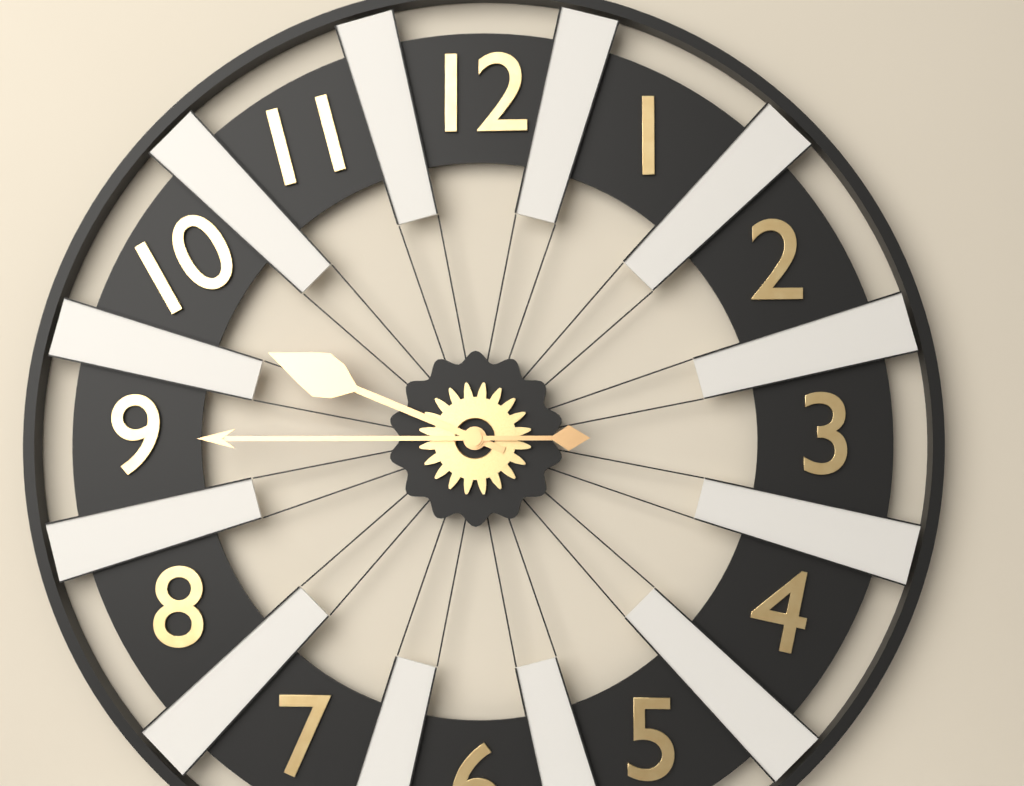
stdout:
**9:45**
